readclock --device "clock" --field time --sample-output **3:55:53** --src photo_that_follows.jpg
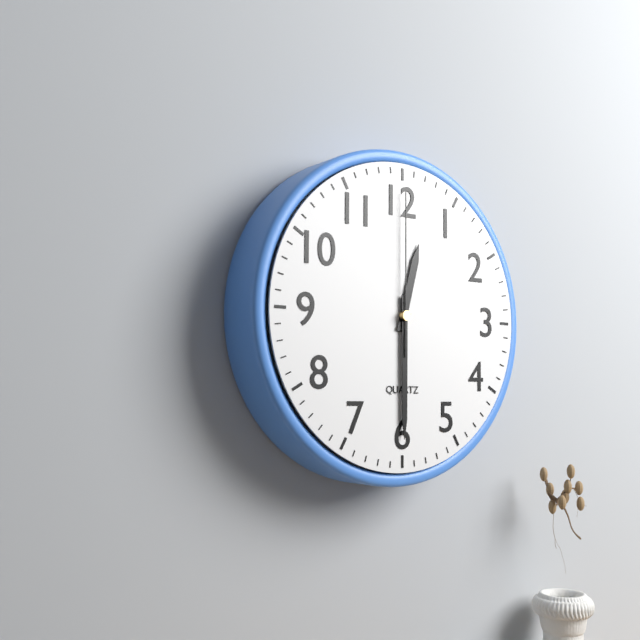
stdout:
**12:30:00**
